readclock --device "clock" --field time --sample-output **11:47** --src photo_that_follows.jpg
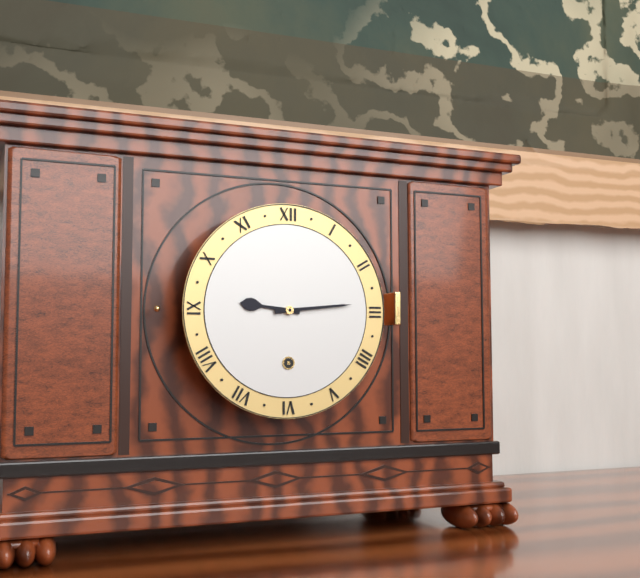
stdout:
**9:14**
